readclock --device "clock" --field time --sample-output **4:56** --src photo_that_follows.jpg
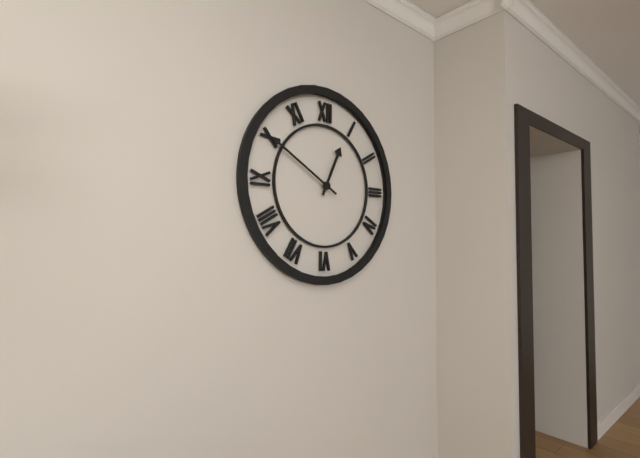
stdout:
**12:50**
